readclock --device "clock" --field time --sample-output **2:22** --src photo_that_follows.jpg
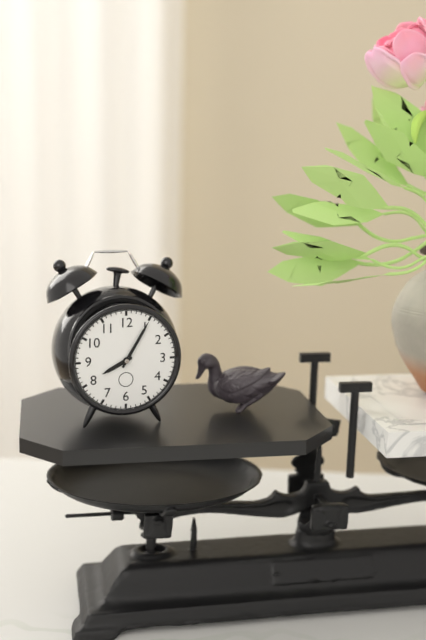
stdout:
**8:05**
